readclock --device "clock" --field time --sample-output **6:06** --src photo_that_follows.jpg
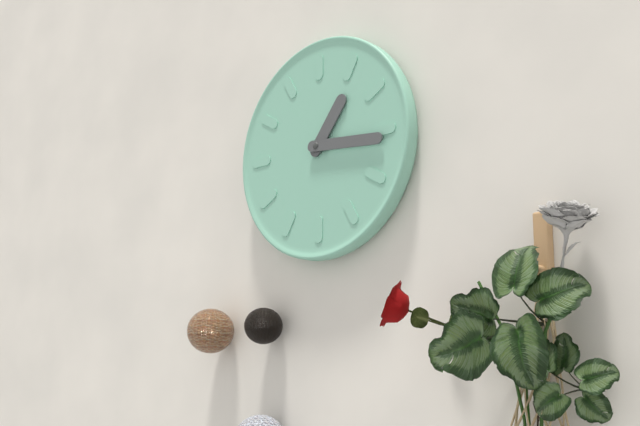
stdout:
**1:16**
